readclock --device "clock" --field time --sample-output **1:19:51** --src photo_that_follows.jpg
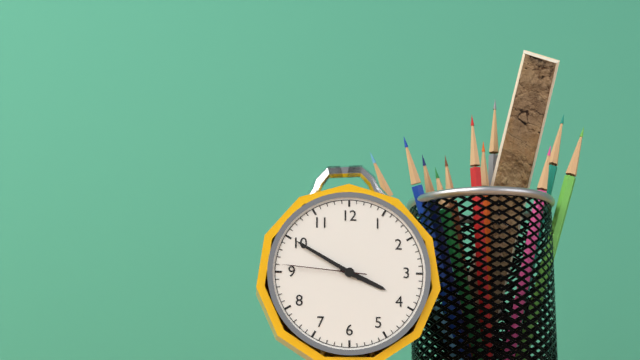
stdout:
**3:50:46**
